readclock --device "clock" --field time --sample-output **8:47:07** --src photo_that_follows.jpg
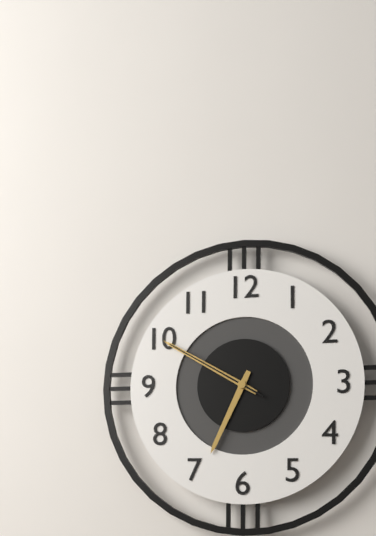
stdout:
**6:50:50**
